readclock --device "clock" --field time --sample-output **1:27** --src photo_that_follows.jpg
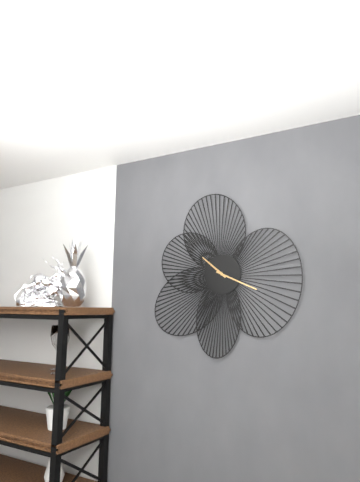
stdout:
**10:19**
